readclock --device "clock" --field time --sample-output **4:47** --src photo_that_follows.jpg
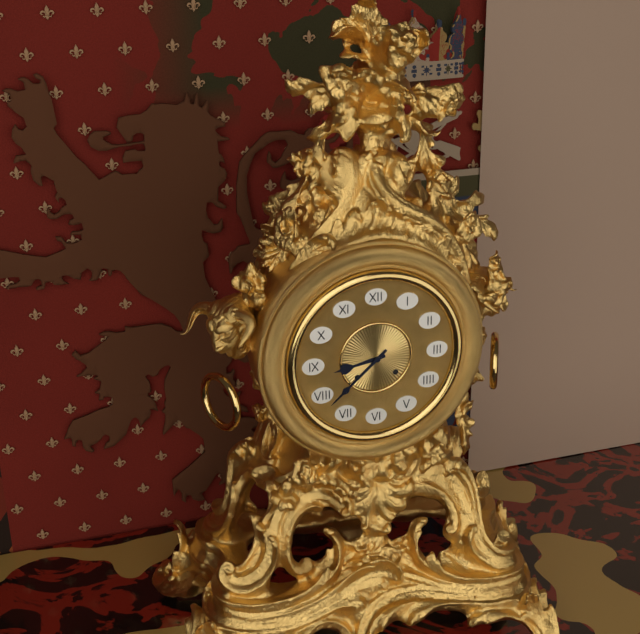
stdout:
**8:38**
